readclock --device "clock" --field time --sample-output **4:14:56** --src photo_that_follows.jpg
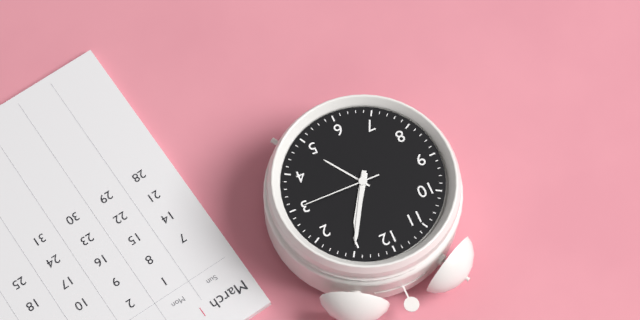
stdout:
**1:05:15**
